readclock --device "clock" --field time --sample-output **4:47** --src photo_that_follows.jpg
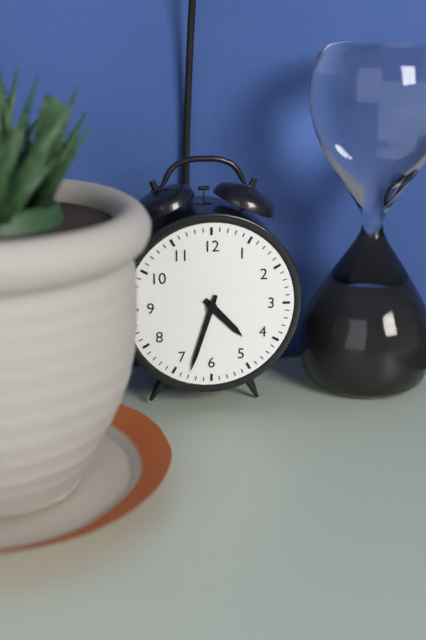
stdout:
**4:33**
